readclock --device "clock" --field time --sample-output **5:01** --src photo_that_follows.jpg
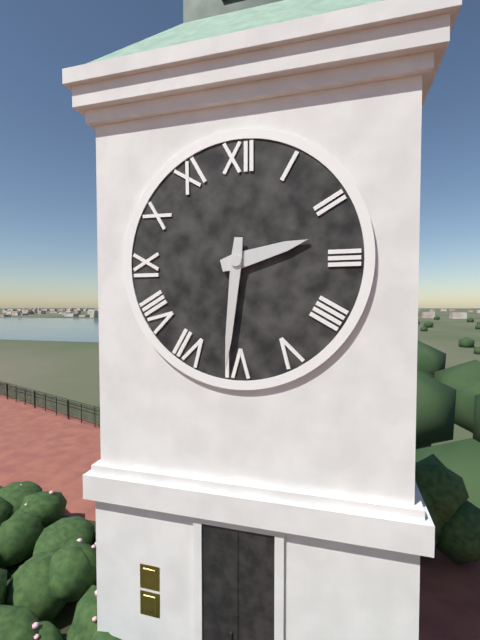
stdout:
**2:31**
